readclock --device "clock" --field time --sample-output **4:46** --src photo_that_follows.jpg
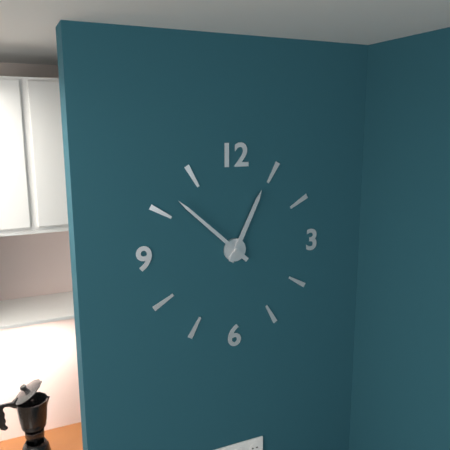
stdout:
**12:52**
